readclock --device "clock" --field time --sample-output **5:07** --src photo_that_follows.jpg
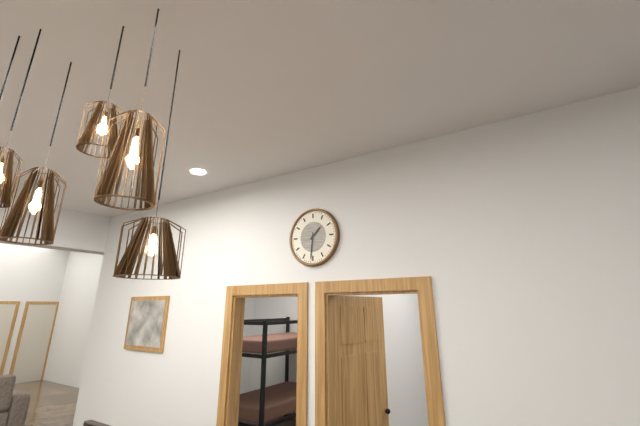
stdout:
**1:31**
